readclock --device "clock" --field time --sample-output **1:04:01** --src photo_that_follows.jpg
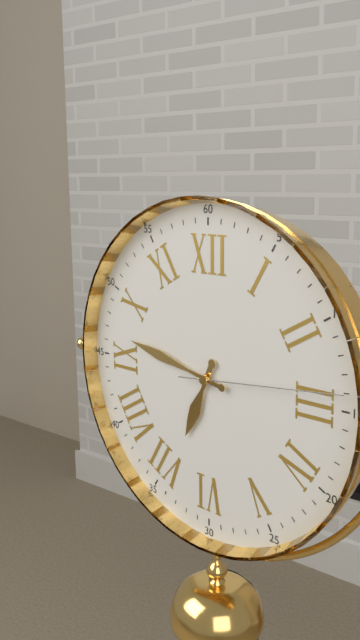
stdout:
**6:47:14**
